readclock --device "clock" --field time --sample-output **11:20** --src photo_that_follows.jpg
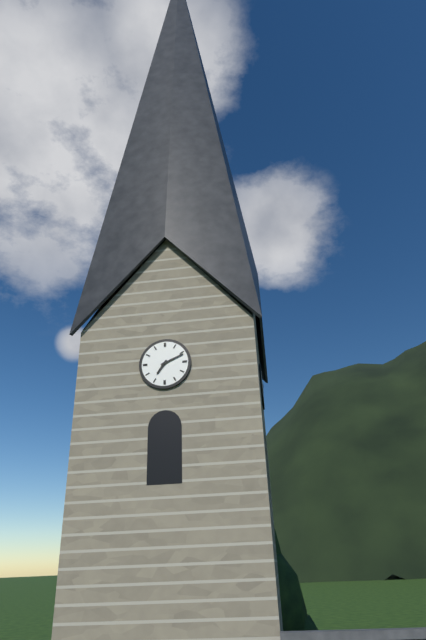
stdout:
**7:11**
